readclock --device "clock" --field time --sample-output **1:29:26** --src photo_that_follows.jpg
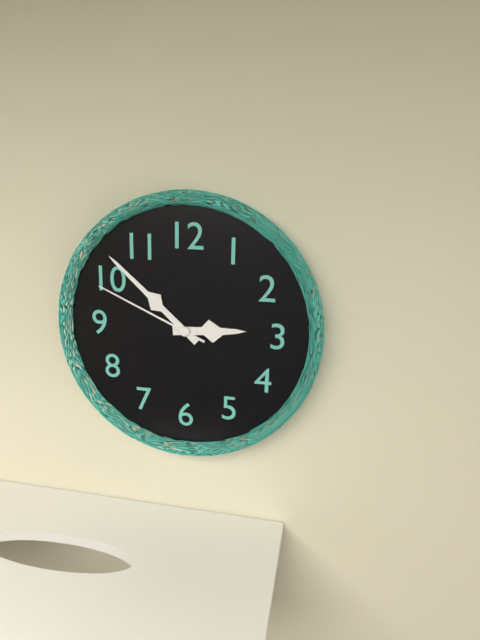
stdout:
**2:52:49**
